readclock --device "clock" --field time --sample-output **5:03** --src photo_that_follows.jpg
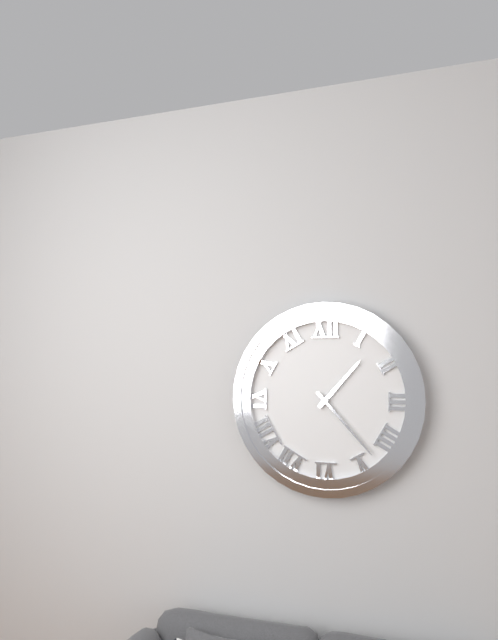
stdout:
**1:23**
